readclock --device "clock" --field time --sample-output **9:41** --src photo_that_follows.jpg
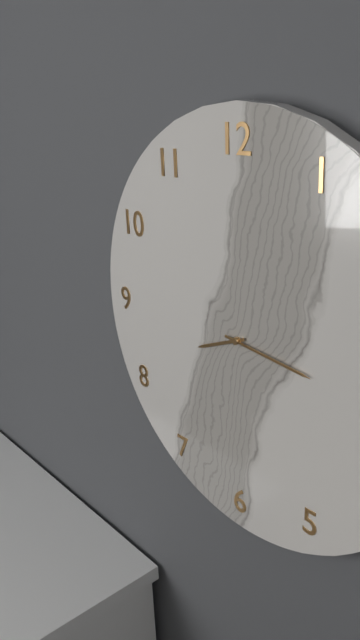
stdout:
**8:16**
